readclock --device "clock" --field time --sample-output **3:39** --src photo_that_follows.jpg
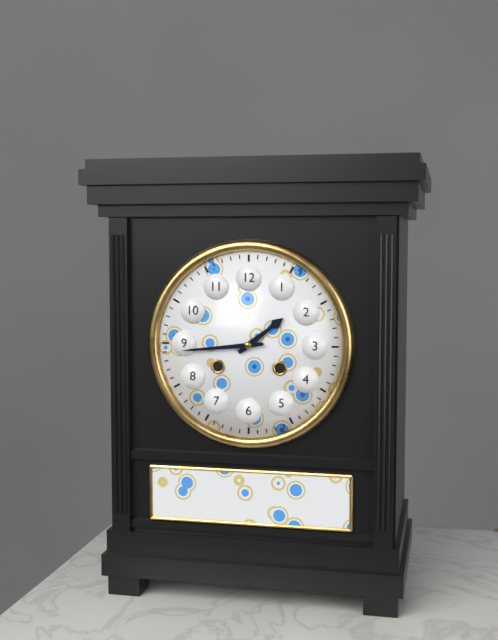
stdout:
**1:44**
